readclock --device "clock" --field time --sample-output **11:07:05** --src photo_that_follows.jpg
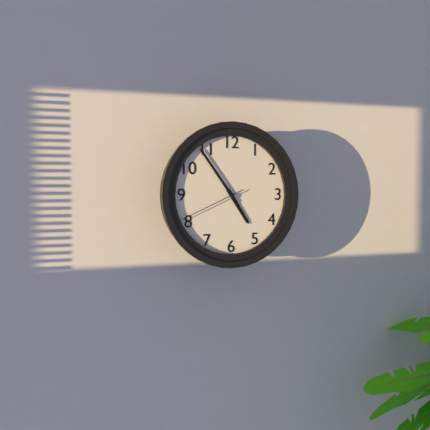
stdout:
**4:54:41**
